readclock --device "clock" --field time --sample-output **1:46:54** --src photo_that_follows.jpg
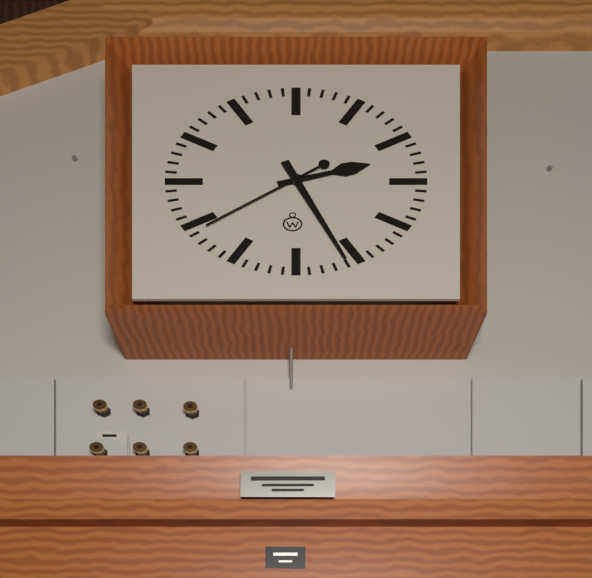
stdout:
**2:26:39**
